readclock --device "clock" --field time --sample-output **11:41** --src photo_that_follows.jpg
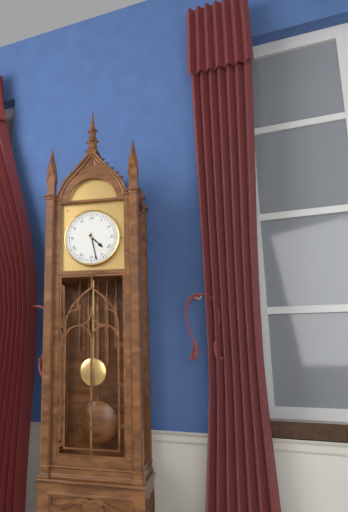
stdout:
**4:28**
